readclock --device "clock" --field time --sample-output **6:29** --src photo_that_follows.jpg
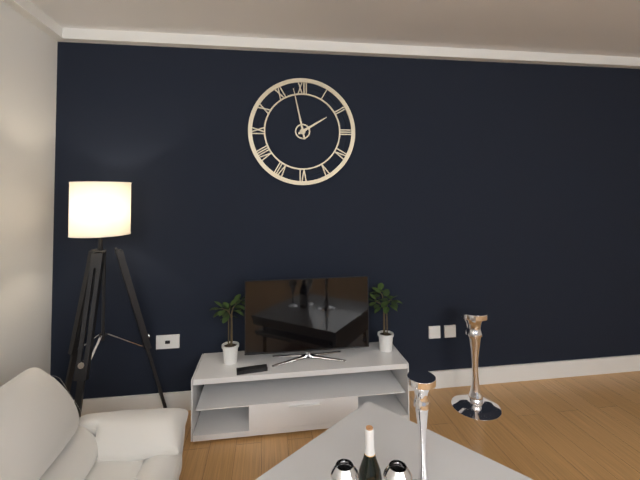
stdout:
**1:58**
